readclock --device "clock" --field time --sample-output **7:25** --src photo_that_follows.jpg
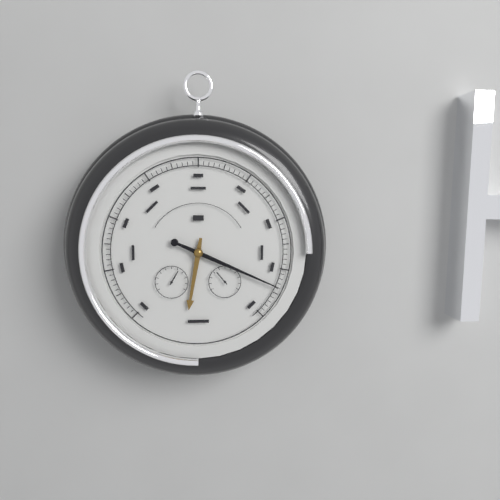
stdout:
**6:19**
